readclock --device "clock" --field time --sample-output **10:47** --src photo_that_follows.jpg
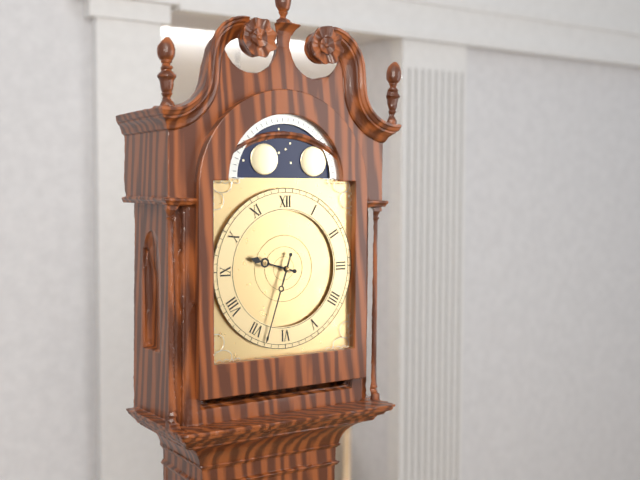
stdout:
**9:33**
